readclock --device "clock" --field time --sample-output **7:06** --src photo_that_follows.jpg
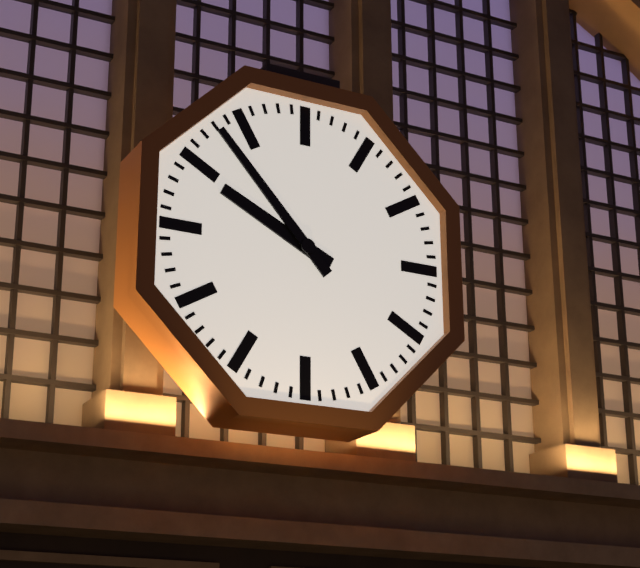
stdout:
**9:53**
